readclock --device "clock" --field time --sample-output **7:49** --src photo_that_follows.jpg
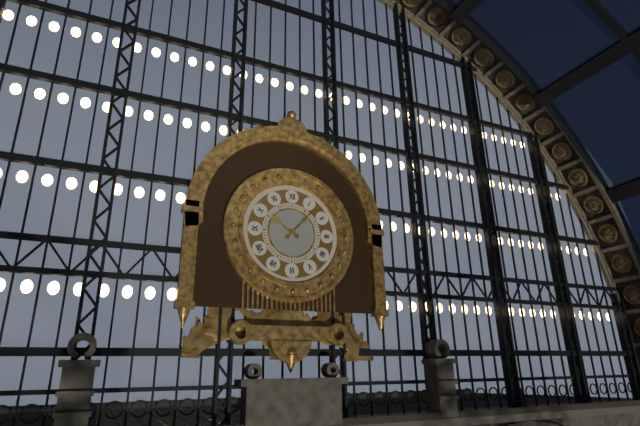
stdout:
**10:07**
